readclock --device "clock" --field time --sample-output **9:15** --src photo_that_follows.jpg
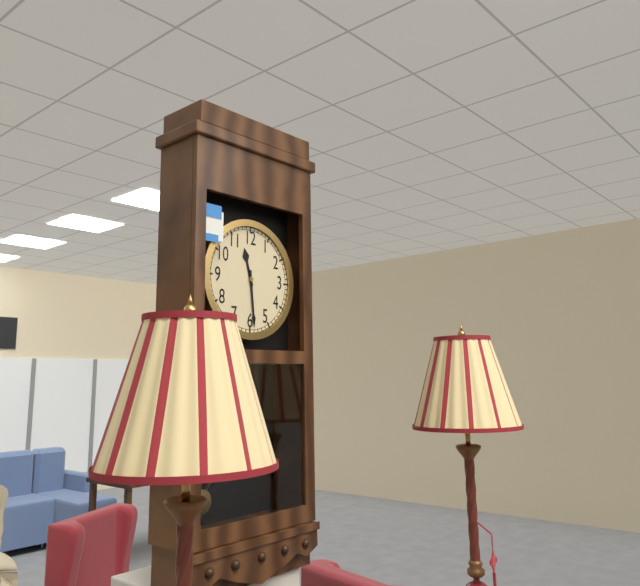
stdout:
**11:29**
